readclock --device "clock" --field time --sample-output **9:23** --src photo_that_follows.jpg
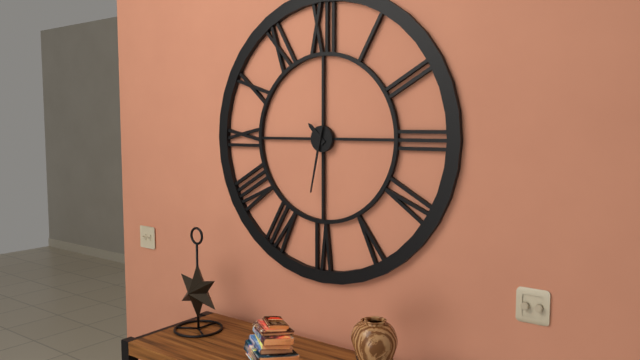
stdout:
**10:32**
